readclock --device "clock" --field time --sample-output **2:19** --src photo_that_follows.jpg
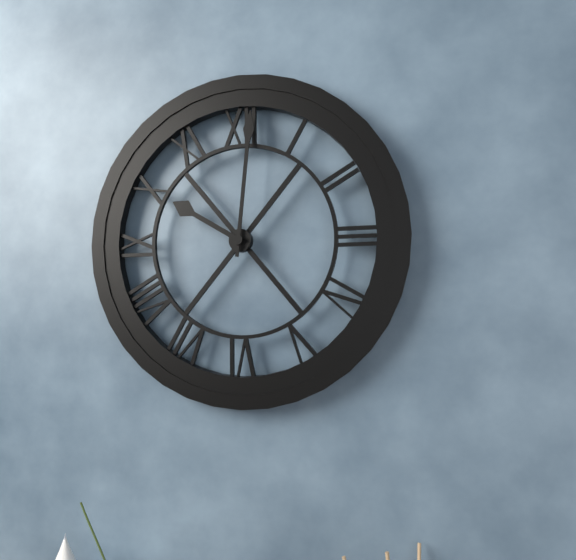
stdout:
**10:01**
